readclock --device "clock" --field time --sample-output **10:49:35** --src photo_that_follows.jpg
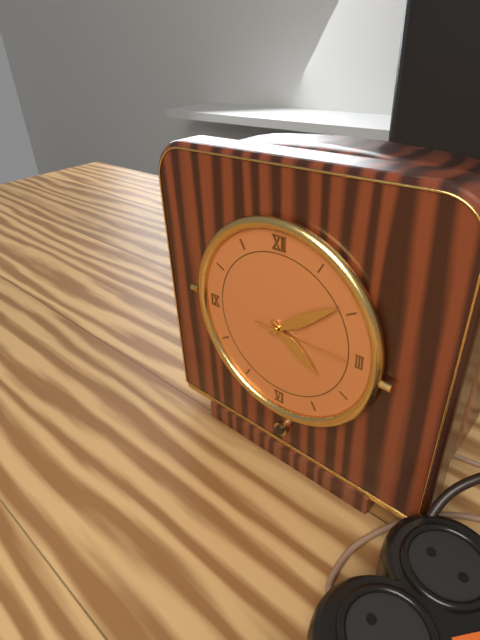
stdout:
**4:09:15**
